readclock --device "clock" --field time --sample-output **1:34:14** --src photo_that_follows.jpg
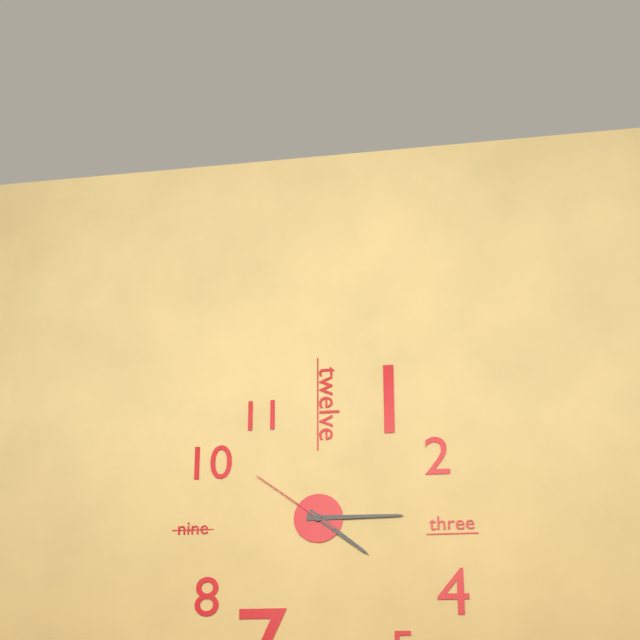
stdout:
**4:15:51**
